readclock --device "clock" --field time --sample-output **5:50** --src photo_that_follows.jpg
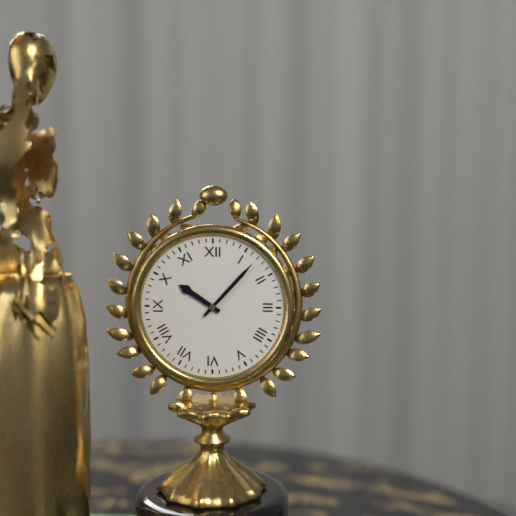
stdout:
**10:07**
